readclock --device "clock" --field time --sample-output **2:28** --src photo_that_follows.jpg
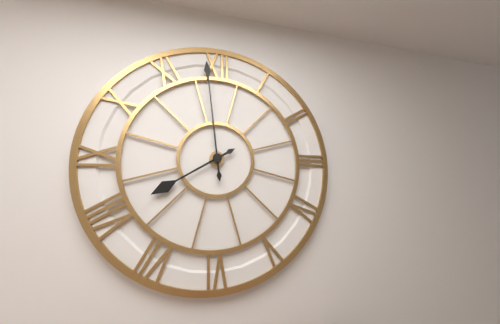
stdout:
**7:59**
